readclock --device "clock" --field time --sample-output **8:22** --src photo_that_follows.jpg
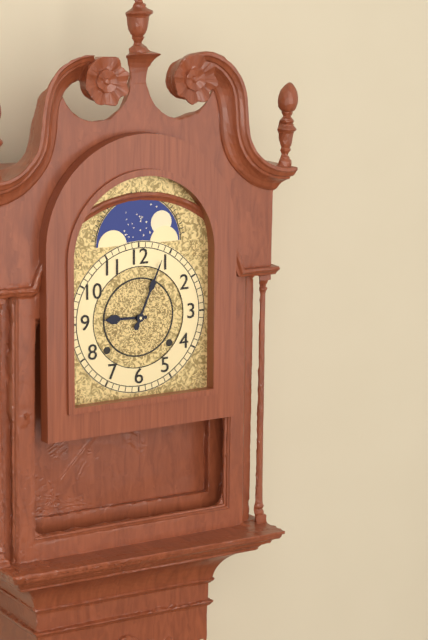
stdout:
**9:04**
